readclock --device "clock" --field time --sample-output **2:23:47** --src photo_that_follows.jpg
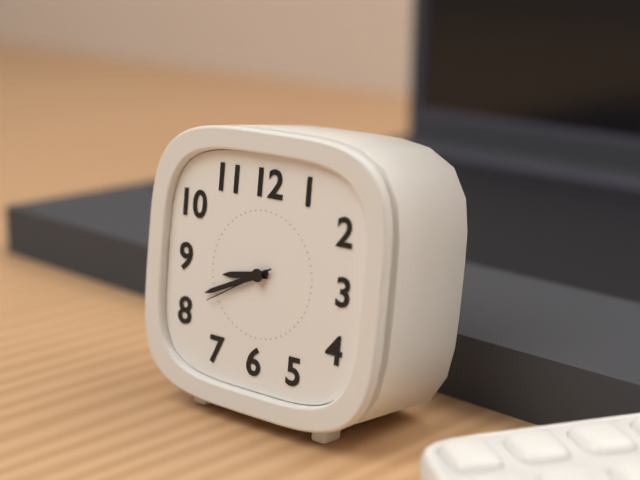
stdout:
**8:41:40**
